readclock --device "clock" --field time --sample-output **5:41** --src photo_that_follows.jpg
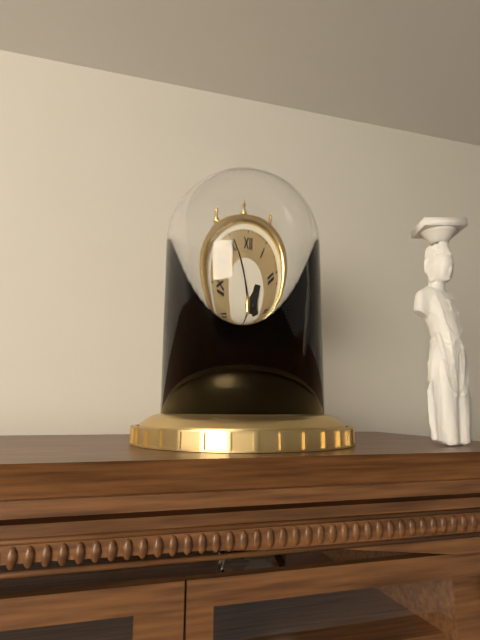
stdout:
**1:56**
